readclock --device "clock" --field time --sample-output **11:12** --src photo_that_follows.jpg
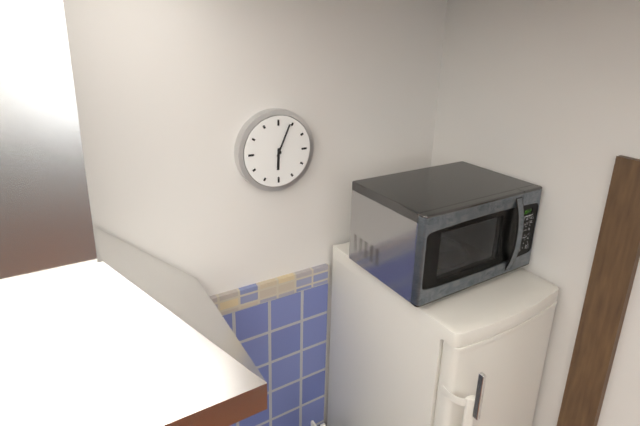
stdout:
**6:04**
